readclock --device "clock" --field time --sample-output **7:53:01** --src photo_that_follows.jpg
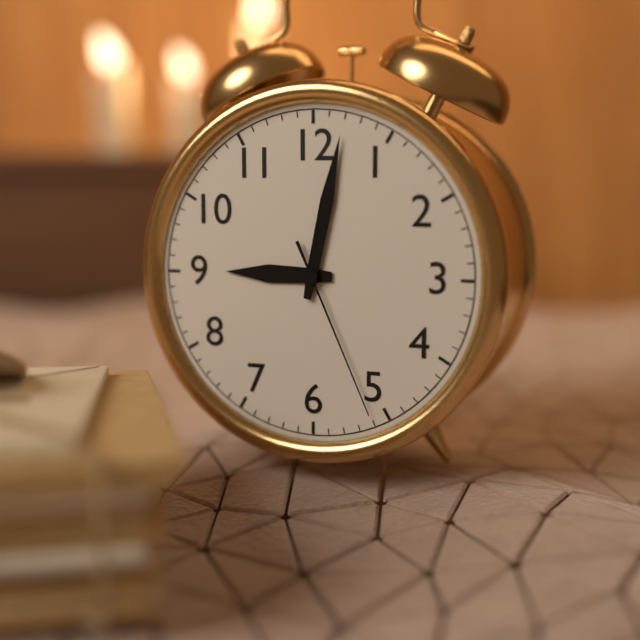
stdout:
**9:02:26**
